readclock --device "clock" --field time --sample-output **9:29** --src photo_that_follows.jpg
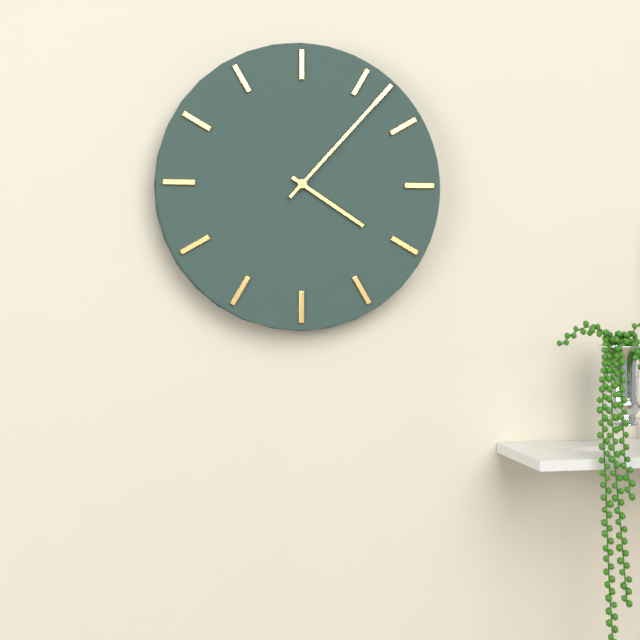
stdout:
**4:07**
